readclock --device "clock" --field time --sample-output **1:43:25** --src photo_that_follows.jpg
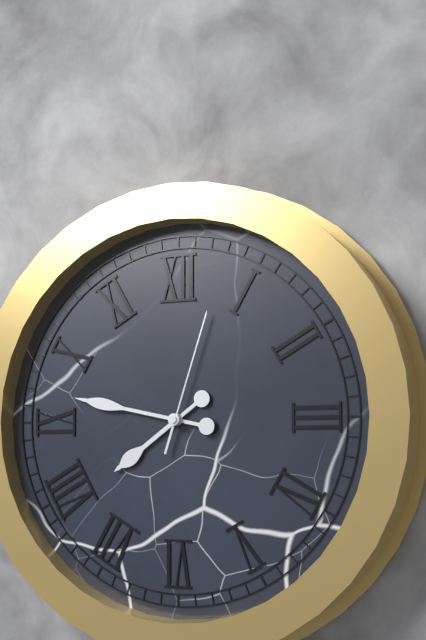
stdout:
**7:47:03**
